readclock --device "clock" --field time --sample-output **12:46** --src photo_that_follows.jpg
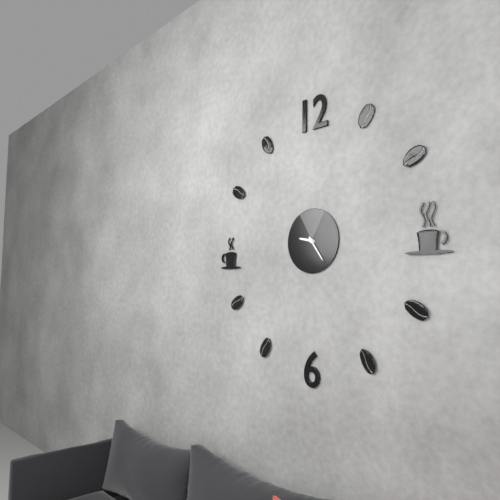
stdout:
**9:24**
